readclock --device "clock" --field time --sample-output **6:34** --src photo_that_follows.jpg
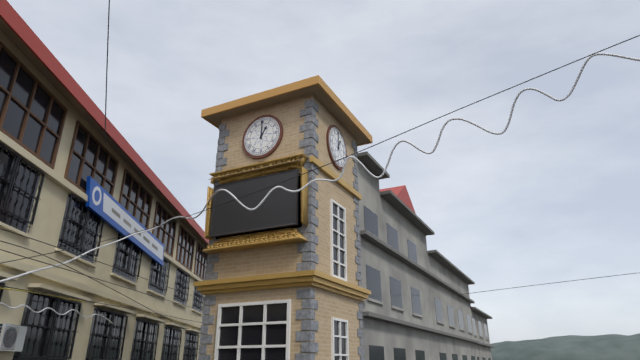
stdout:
**1:00**
